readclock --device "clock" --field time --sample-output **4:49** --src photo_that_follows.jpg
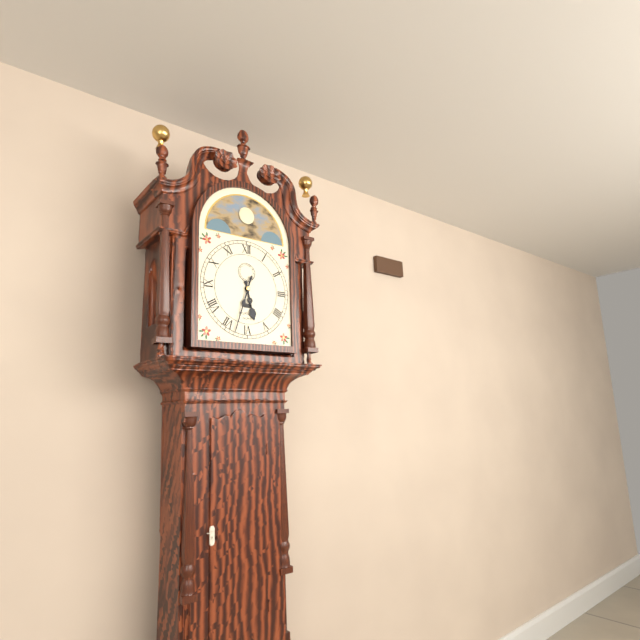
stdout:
**5:33**
